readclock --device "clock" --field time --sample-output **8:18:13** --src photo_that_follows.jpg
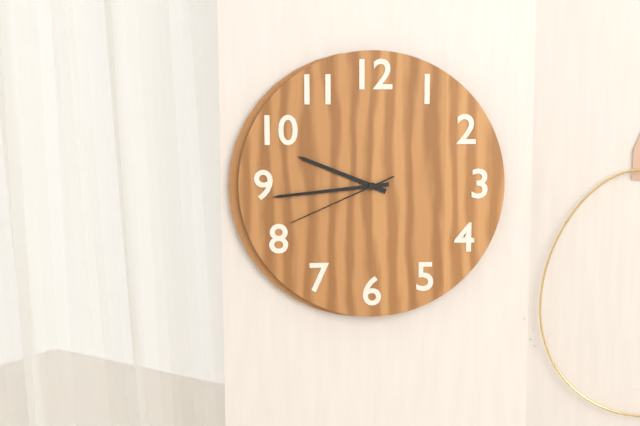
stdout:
**9:44:41**
